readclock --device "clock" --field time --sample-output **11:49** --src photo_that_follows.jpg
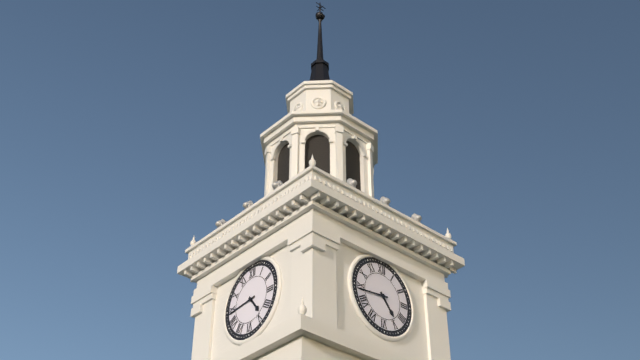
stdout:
**4:44**
